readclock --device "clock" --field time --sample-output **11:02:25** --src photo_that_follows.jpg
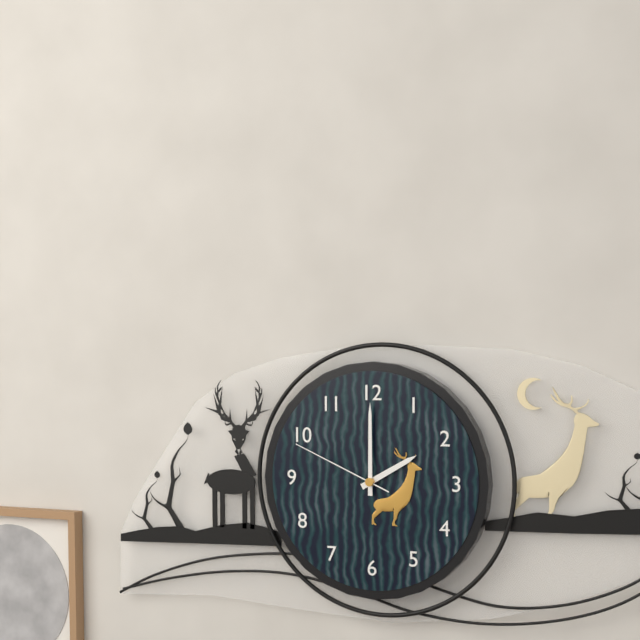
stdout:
**2:00:49**
